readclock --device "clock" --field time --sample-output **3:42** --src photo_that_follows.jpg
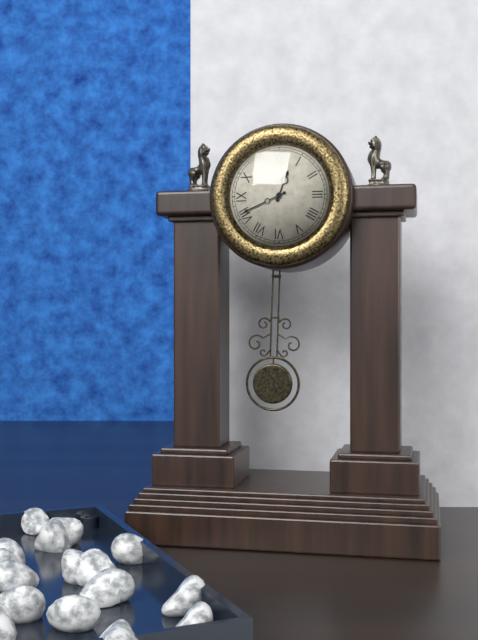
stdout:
**12:41**
